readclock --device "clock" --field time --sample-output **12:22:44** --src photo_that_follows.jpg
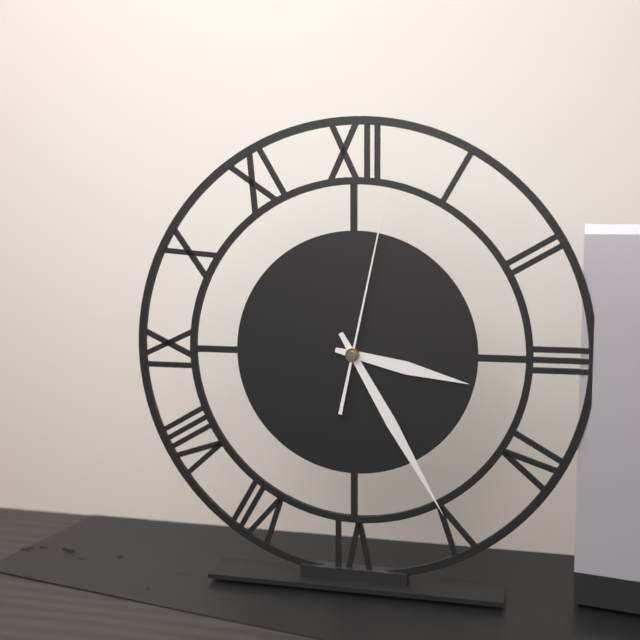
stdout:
**3:25:02**
